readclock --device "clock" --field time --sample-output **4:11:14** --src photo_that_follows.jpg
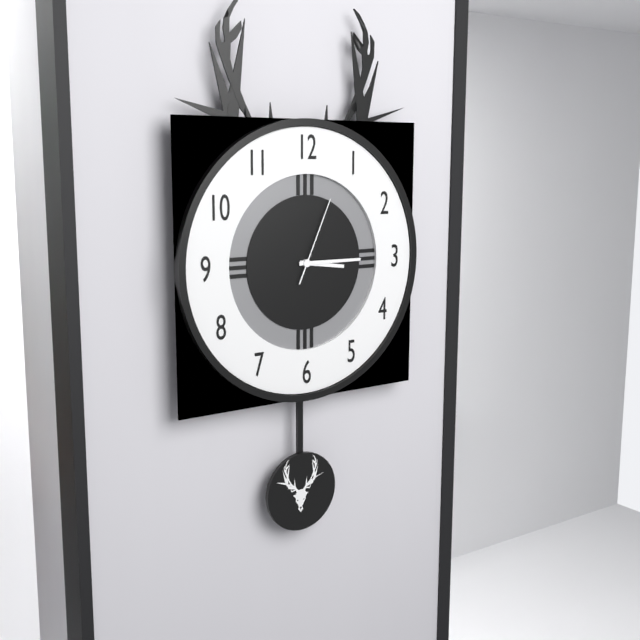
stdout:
**3:15:04**
